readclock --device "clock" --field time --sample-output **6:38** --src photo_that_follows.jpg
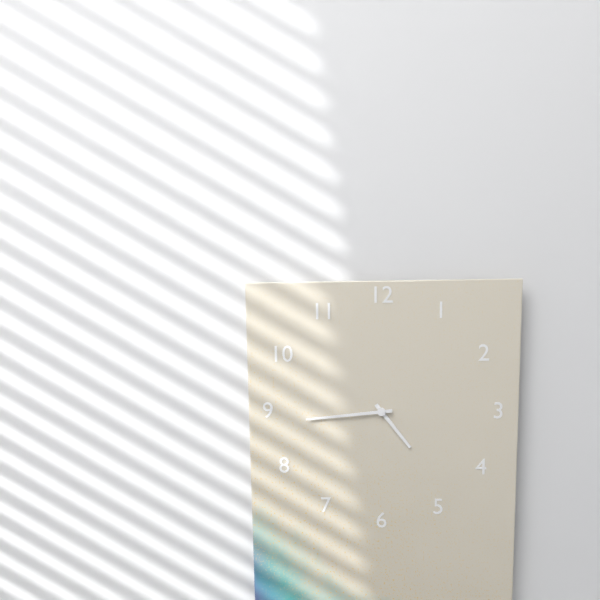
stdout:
**4:44**
